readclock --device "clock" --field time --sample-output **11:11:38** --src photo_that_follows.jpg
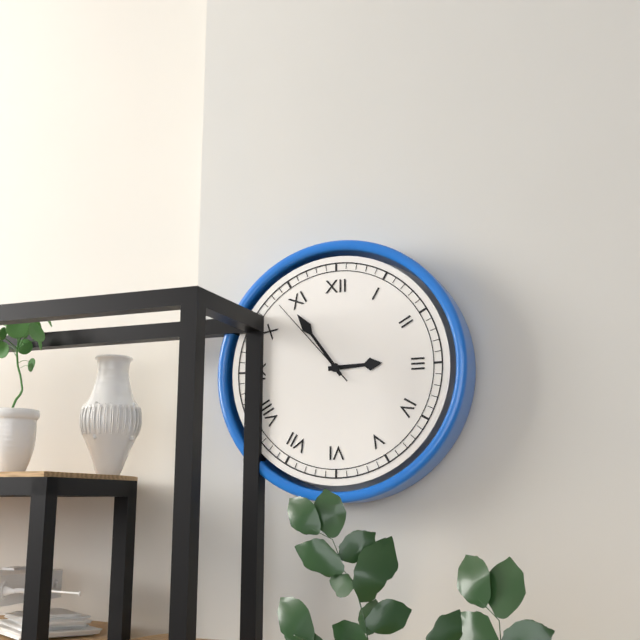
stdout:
**2:54:53**
